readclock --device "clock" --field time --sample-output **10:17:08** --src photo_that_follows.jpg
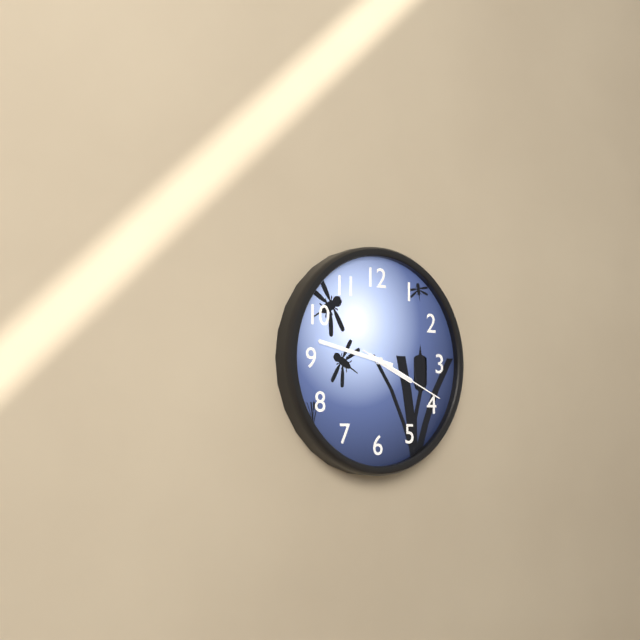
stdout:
**3:47:19**
